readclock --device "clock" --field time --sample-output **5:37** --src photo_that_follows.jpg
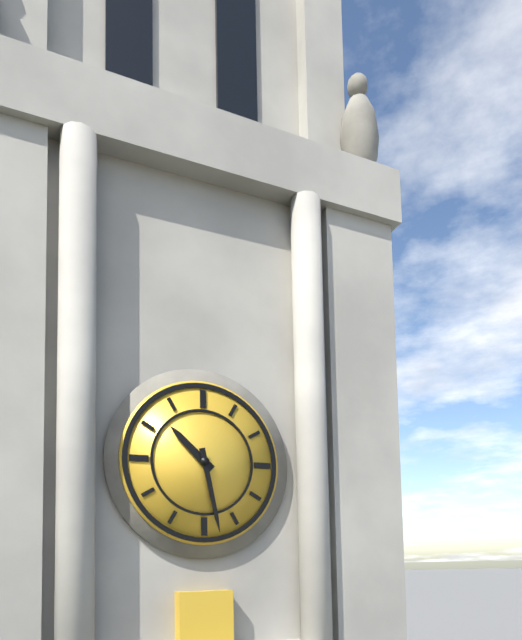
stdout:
**10:28**
